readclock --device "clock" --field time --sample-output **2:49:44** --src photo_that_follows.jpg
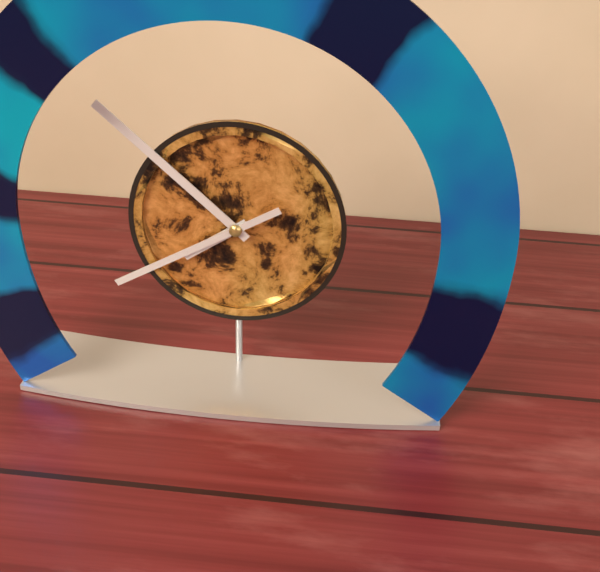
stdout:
**7:52:40**
